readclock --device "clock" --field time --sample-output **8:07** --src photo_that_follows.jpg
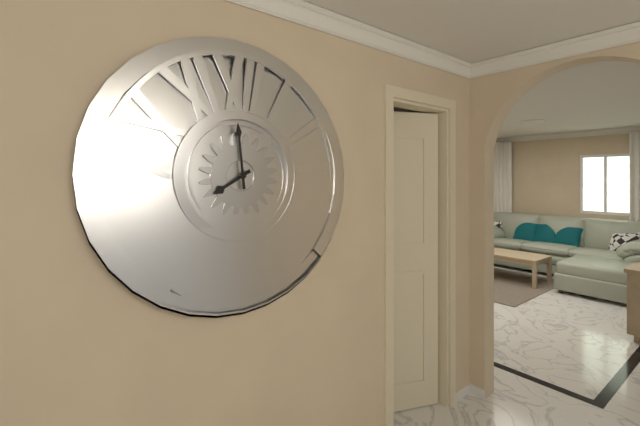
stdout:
**7:59**
